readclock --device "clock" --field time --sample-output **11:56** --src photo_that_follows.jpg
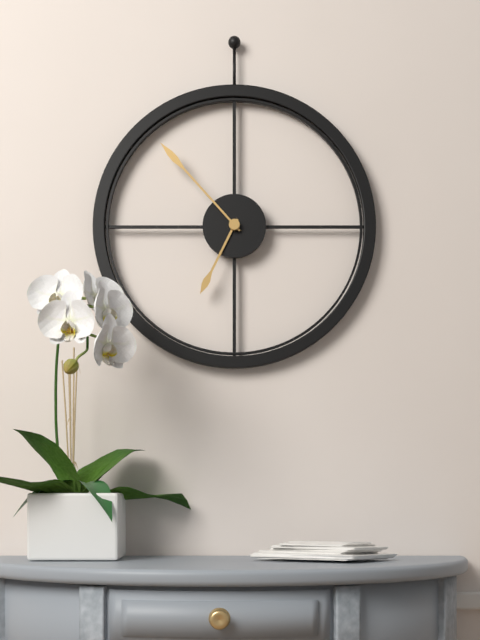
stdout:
**6:53**
